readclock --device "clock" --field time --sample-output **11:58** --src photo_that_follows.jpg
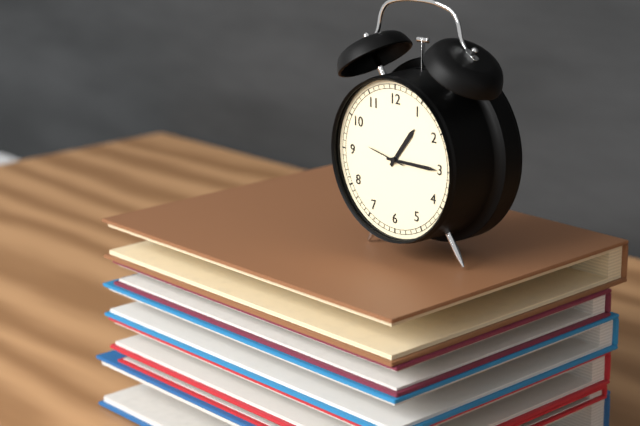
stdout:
**1:15**
